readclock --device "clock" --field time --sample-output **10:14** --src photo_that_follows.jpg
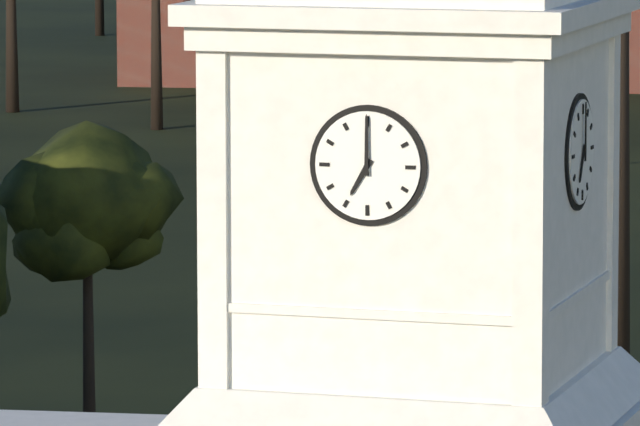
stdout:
**7:00**
